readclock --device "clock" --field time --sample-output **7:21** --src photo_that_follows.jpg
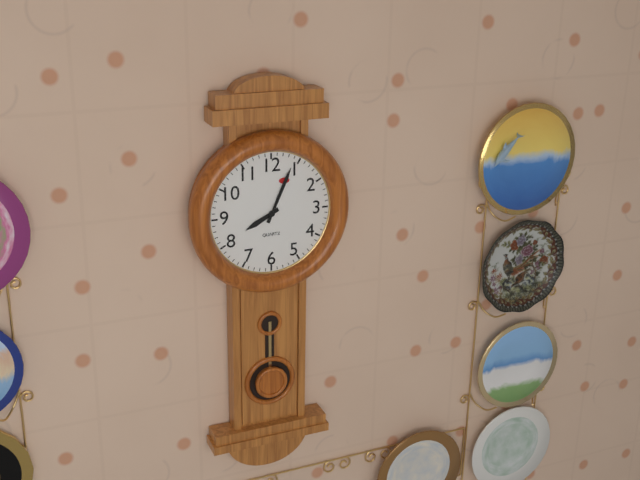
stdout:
**8:04**
